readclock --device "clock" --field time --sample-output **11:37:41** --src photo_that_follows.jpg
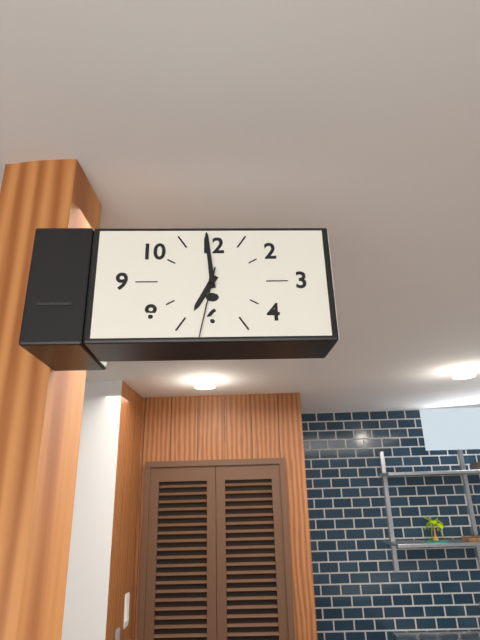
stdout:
**6:59:32**
